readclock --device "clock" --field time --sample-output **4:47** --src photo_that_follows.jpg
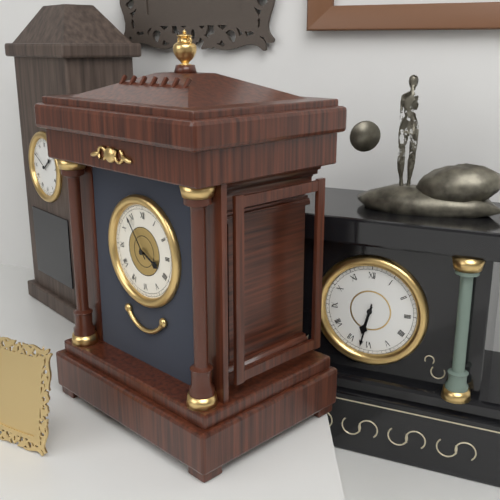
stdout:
**3:54**
